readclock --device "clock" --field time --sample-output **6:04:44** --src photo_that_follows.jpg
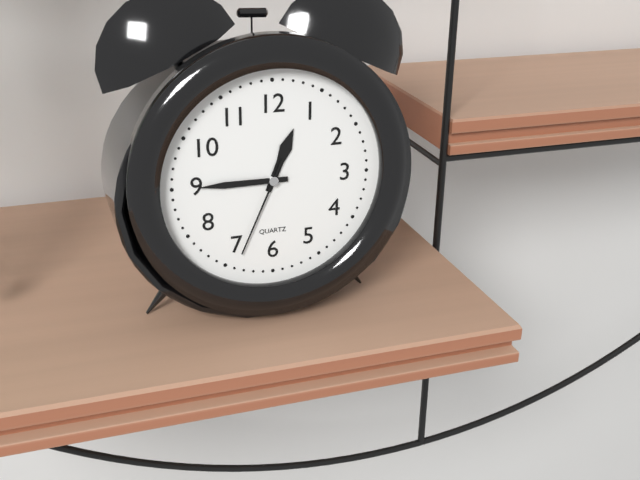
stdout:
**12:45:34**
